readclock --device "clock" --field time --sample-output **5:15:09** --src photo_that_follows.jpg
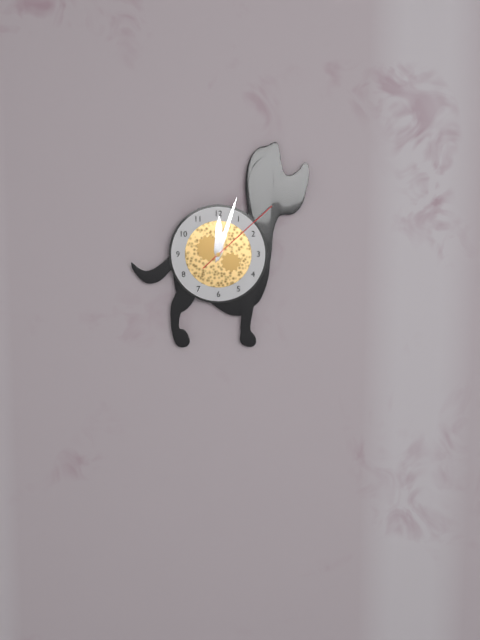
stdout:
**12:03:08**
